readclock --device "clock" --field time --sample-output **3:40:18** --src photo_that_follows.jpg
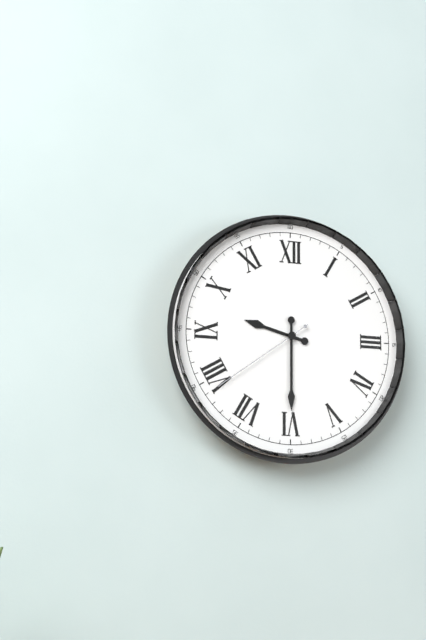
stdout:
**9:30:39**
